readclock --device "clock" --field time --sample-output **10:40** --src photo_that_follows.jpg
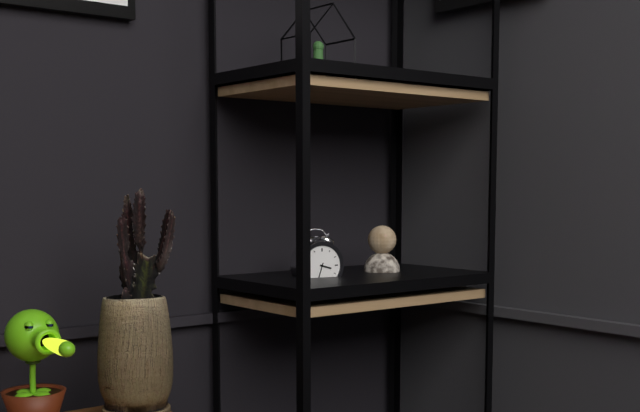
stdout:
**3:33**
